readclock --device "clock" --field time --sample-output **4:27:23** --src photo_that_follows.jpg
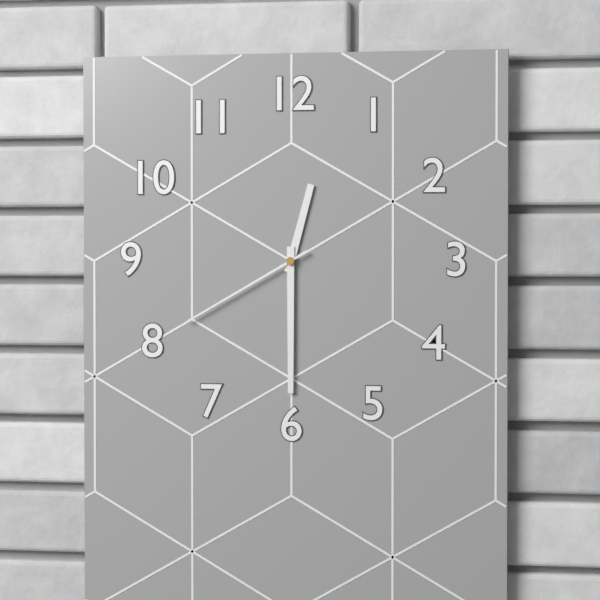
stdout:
**12:30:40**
